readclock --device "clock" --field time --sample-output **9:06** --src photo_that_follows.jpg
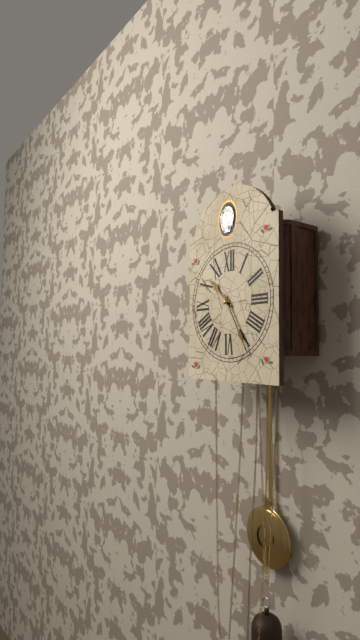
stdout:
**10:25**
